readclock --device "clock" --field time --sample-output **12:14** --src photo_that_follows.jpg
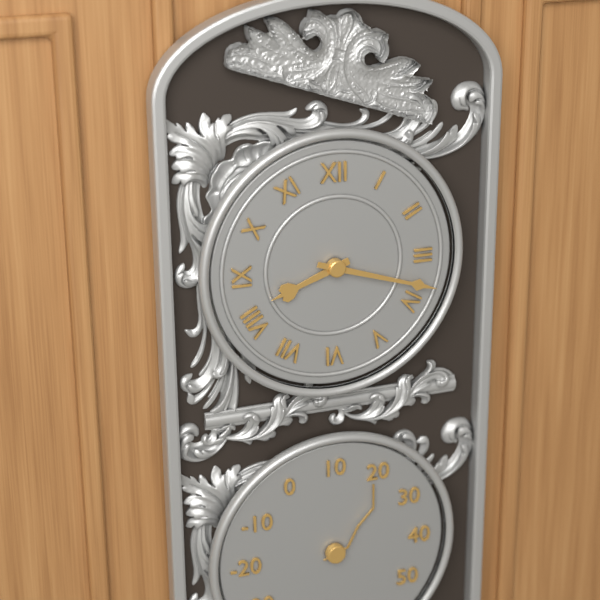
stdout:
**8:18**
